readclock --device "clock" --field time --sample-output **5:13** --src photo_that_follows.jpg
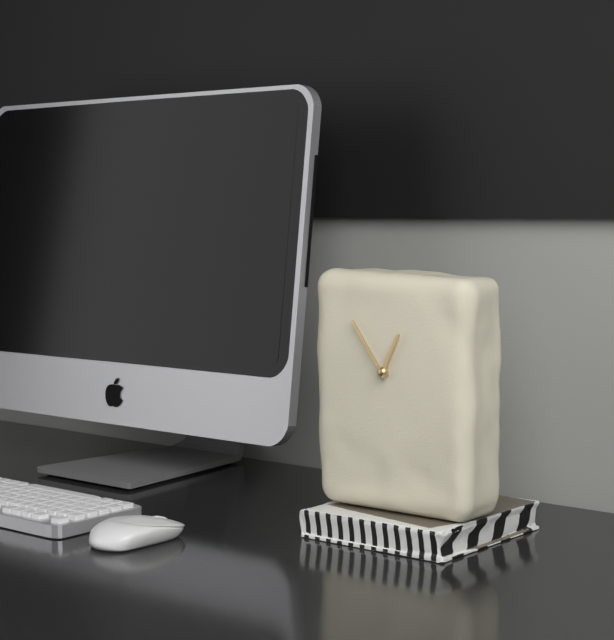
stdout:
**12:54**
